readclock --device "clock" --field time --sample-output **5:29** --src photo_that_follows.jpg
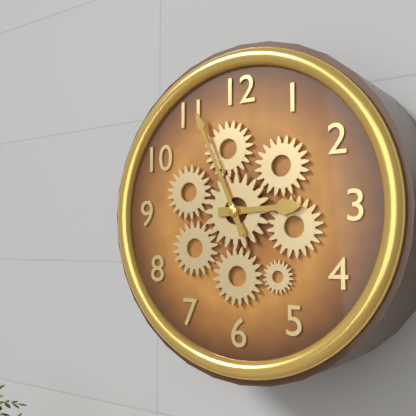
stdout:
**2:56**
